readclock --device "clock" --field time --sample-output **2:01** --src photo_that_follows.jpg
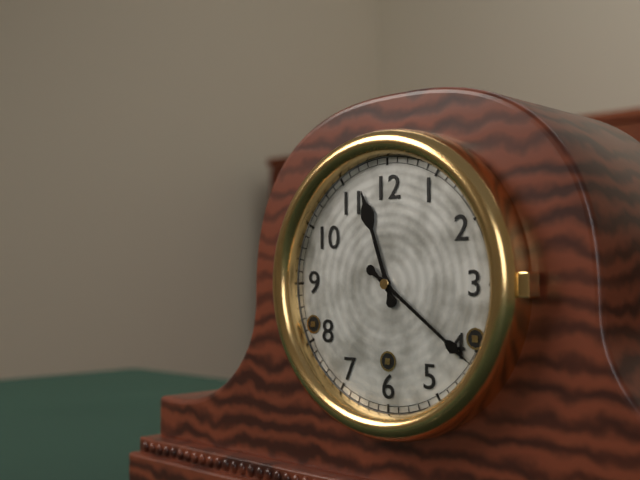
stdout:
**11:21**
